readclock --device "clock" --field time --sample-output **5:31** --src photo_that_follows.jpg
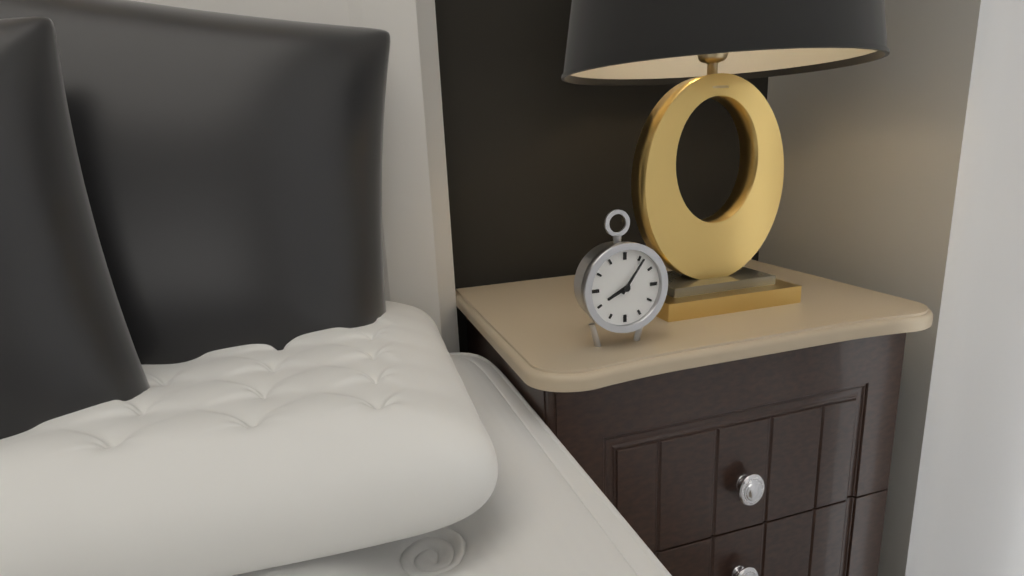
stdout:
**8:06**
